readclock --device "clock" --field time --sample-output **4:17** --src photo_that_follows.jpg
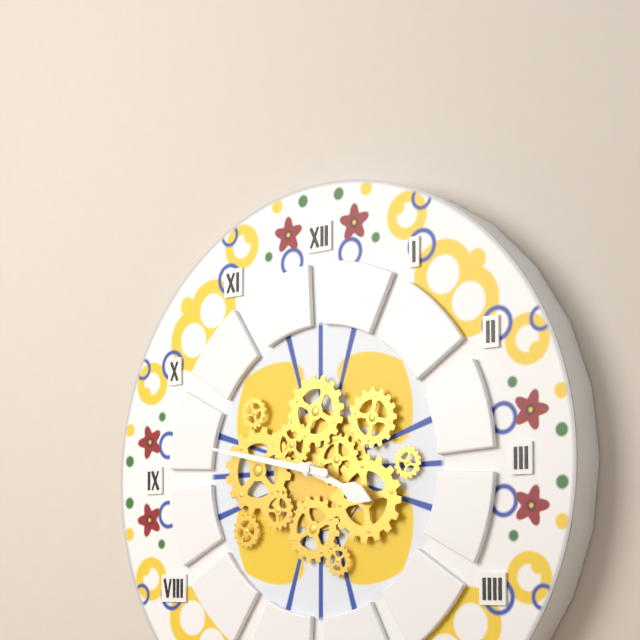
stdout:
**3:47**
